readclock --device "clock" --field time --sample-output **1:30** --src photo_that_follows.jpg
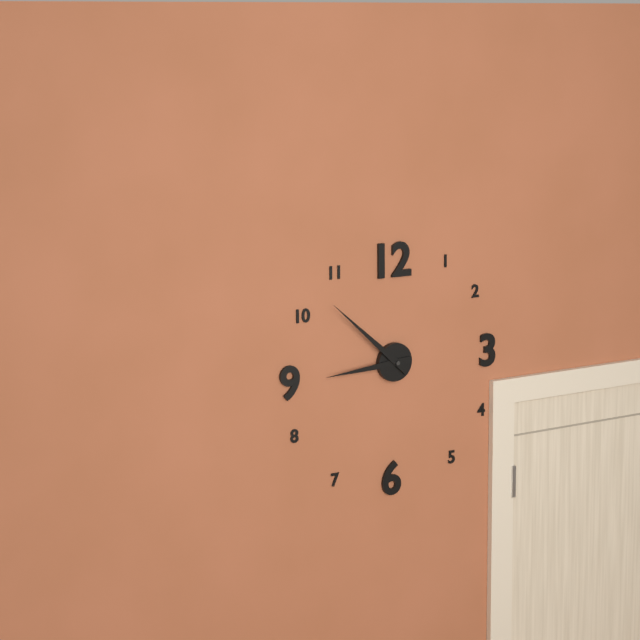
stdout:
**8:52**
